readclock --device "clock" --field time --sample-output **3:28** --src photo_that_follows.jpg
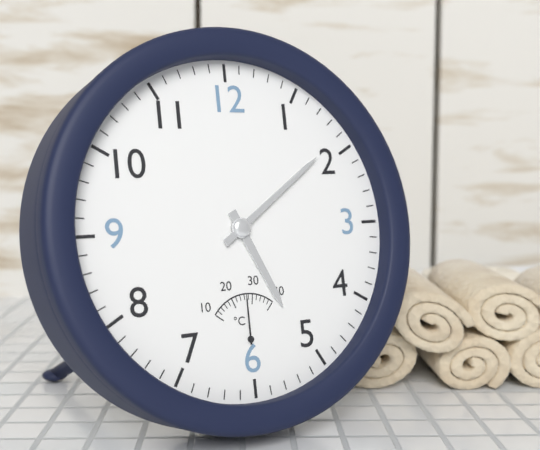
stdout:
**5:09**
